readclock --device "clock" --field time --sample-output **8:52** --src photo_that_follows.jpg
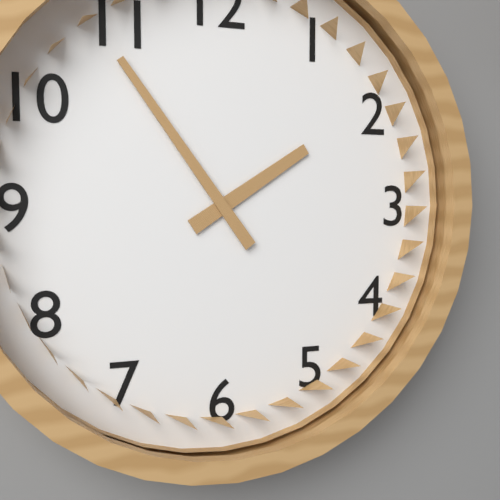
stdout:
**1:54**
